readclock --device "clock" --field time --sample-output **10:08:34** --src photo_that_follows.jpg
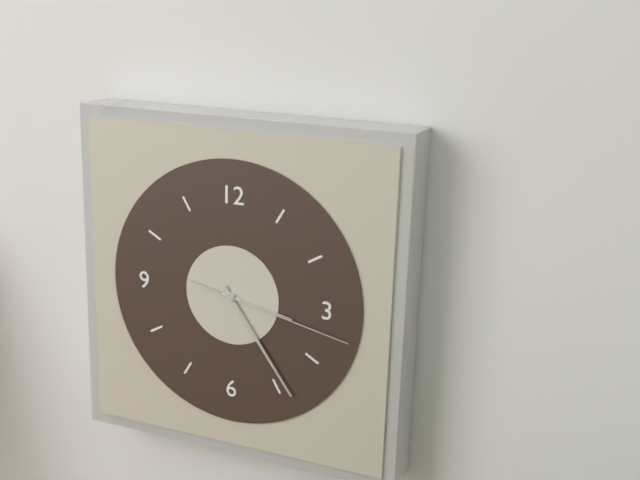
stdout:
**3:24:17**
